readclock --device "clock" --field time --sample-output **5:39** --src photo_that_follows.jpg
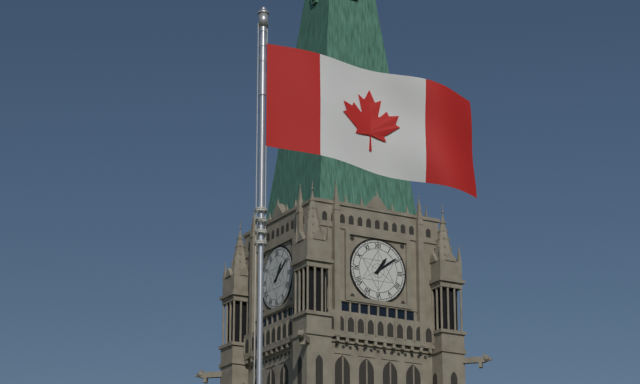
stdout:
**1:09**
